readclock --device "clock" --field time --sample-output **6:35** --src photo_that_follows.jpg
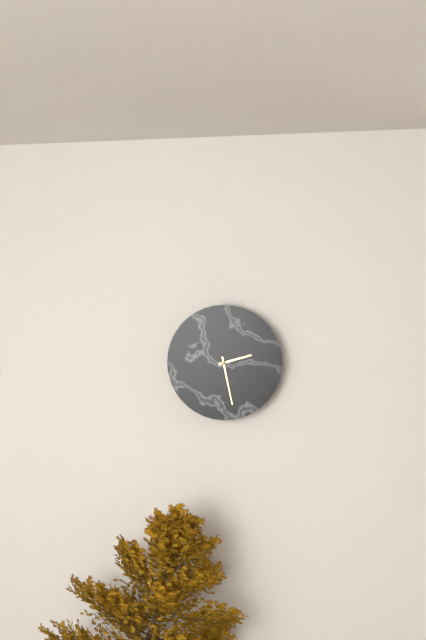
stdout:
**2:28**
